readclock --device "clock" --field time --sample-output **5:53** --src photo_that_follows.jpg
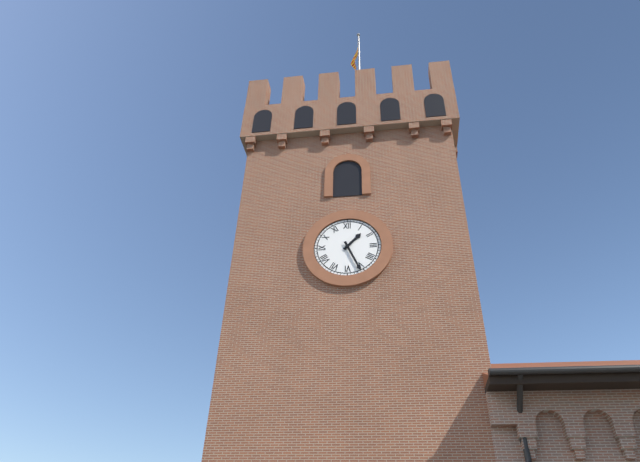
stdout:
**1:26**
